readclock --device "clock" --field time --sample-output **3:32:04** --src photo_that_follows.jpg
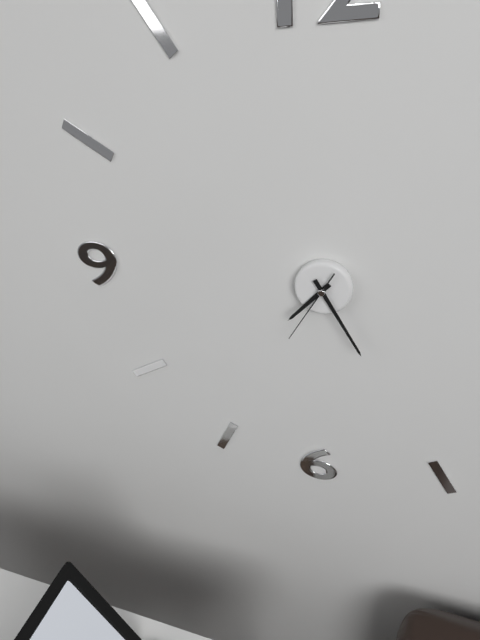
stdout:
**7:25:35**
